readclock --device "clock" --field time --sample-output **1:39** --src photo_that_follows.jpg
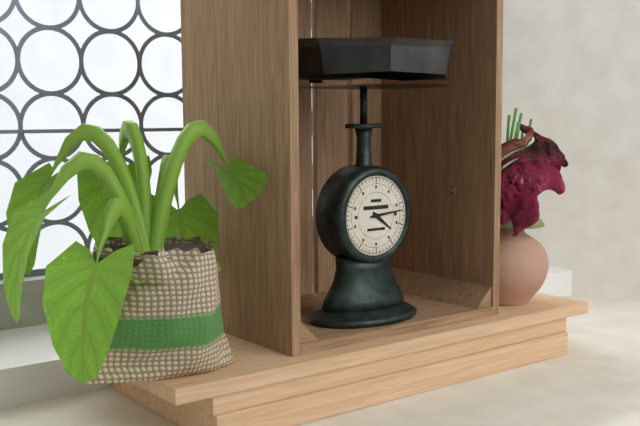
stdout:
**4:14**
